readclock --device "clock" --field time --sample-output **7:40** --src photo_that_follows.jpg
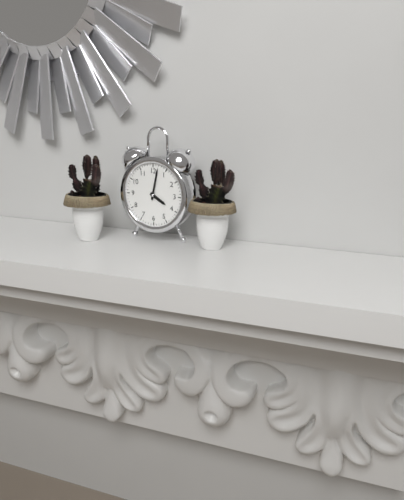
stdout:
**4:02**
